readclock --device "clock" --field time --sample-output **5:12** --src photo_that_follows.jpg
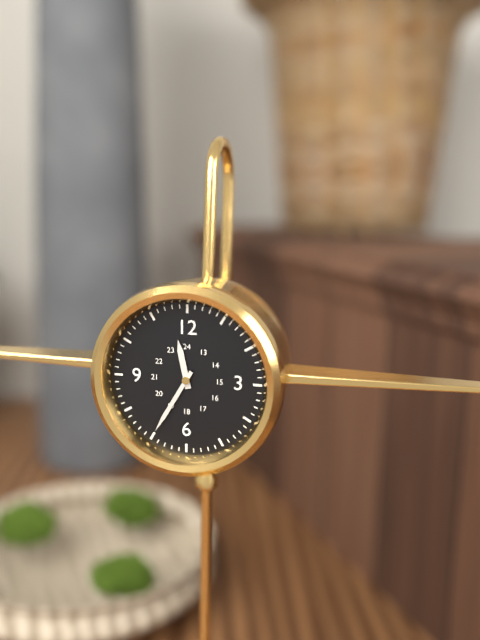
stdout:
**11:35**
